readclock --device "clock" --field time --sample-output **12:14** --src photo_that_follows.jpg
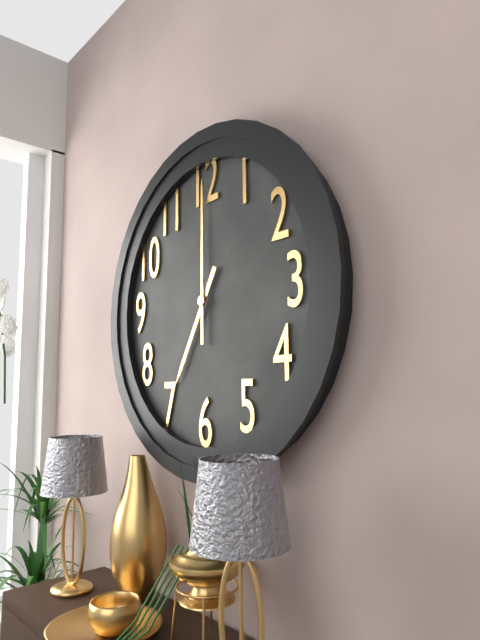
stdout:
**7:00**
